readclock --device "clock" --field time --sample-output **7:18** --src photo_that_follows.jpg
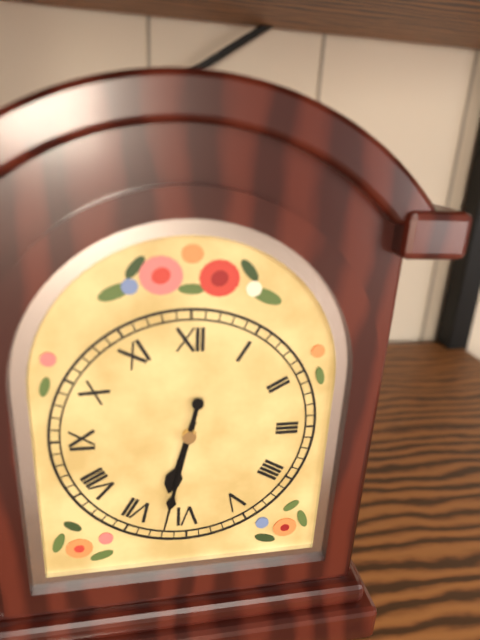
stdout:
**6:32**
